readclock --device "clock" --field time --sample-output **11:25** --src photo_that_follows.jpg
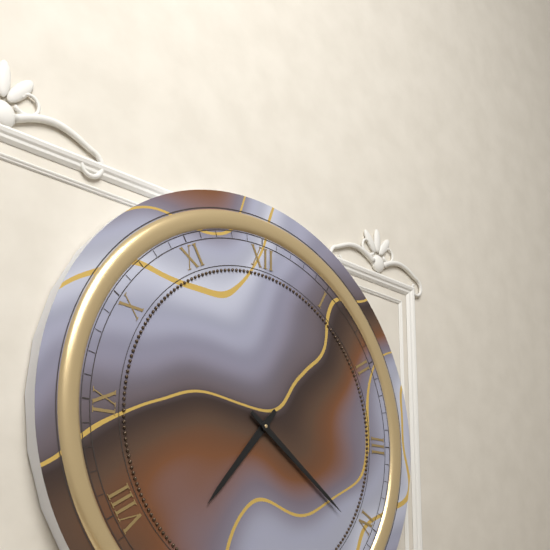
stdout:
**7:21**
